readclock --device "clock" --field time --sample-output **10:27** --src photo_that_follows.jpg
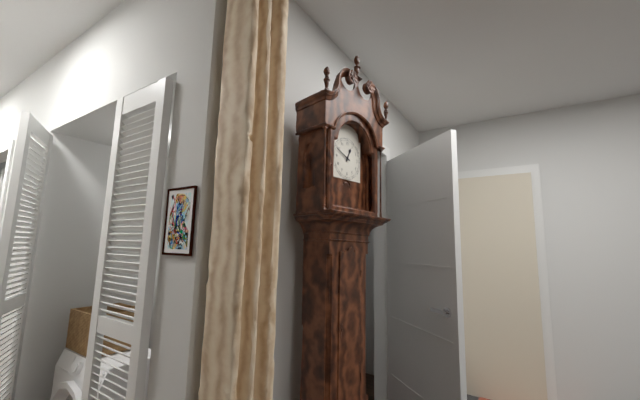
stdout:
**12:49**
